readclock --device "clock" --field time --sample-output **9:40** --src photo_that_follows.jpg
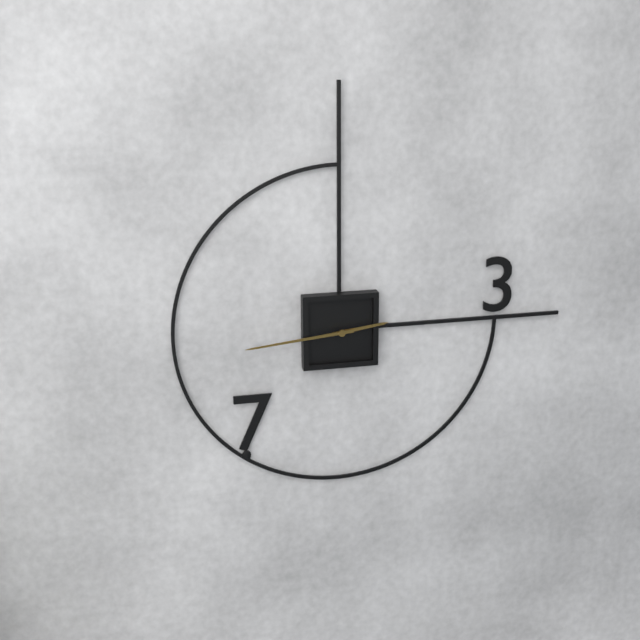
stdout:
**2:44**
